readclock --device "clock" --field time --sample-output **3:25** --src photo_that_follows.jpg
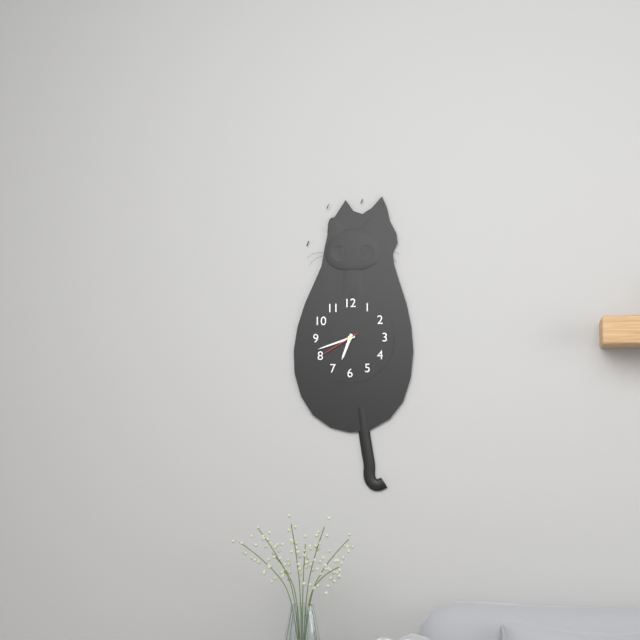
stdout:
**6:42**
